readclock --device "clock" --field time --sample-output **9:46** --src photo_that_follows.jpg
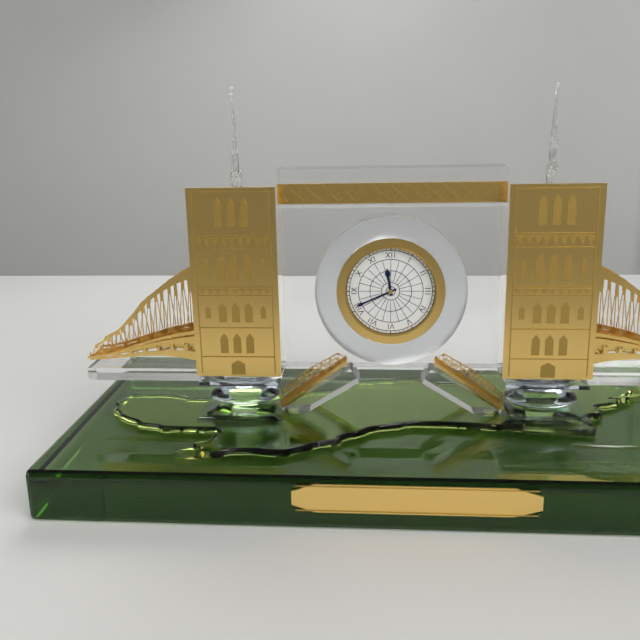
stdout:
**11:41**
